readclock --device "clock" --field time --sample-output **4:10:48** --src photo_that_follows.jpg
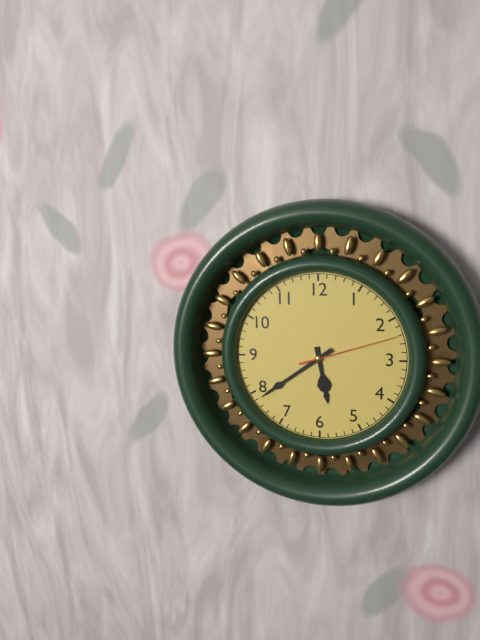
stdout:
**5:39:12**
